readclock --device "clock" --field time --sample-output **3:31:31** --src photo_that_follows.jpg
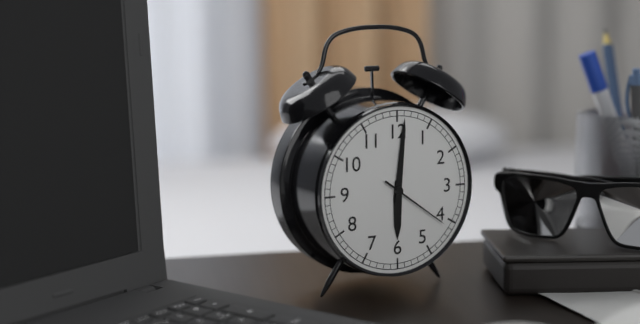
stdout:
**6:01:21**
